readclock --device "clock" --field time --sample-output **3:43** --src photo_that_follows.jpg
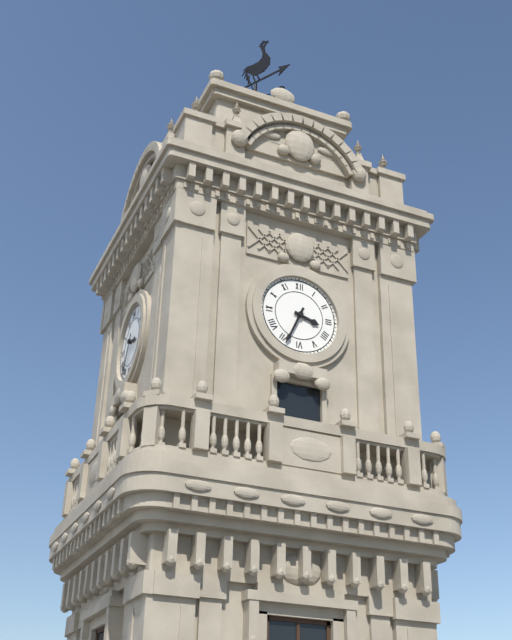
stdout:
**3:34**
